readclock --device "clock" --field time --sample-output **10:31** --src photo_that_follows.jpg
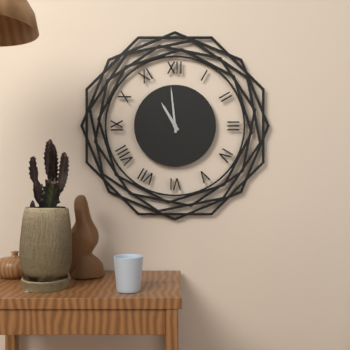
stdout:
**10:59**
